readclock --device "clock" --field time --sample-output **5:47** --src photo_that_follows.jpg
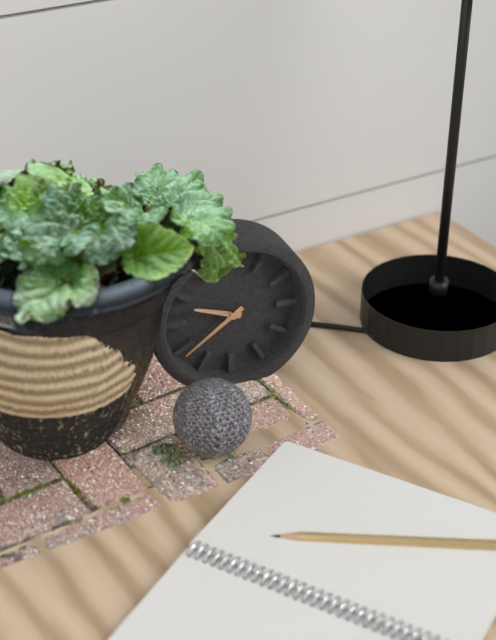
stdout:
**9:39**
